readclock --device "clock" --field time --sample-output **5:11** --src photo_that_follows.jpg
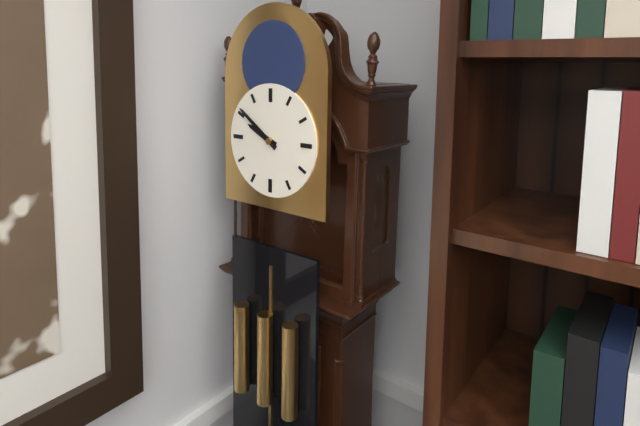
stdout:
**9:51**
